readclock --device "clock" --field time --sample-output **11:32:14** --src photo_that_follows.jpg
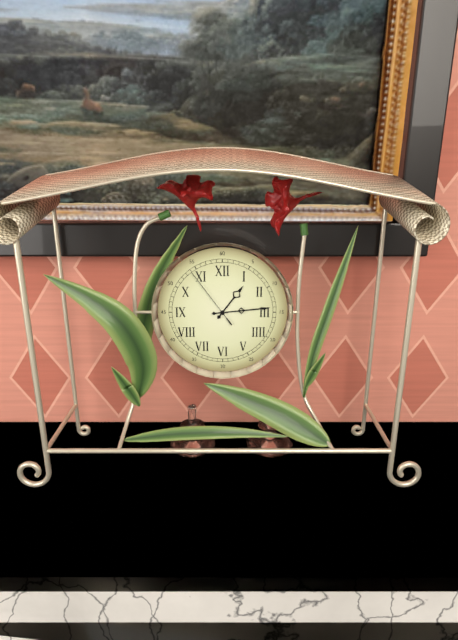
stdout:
**1:14:54**
